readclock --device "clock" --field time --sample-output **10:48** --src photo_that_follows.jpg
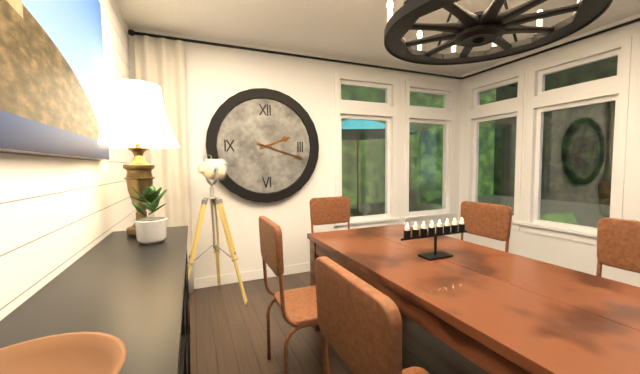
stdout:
**2:18**
